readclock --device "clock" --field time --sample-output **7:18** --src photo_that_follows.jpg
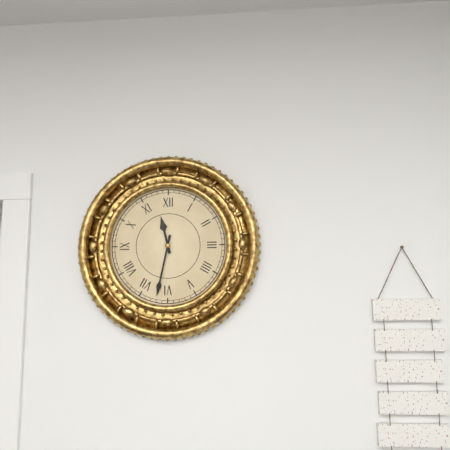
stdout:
**11:32**
